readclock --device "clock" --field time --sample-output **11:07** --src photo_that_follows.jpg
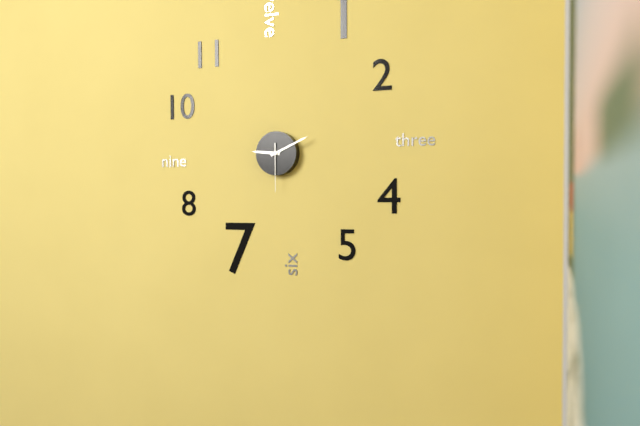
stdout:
**9:11**
